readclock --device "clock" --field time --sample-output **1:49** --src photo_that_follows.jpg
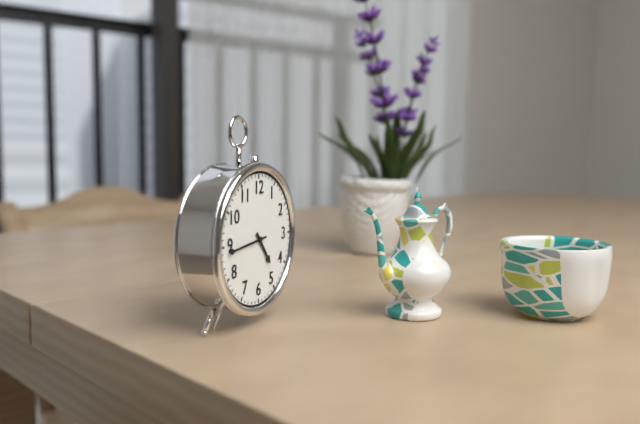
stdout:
**4:44**
